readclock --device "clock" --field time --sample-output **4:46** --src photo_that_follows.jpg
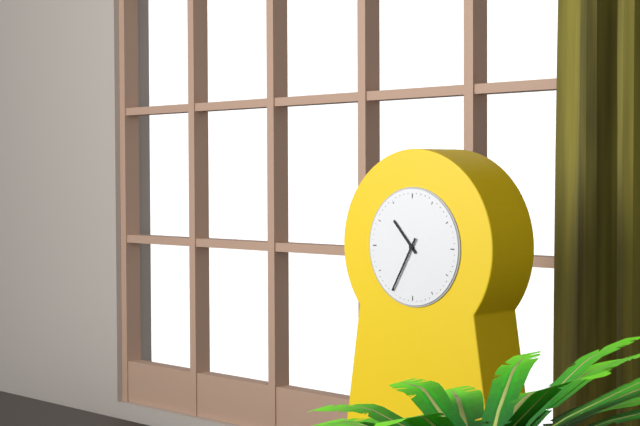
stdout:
**10:35**
